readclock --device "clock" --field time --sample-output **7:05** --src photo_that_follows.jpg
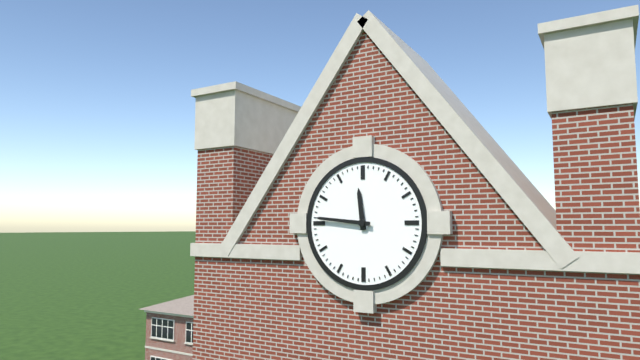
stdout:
**11:46**
